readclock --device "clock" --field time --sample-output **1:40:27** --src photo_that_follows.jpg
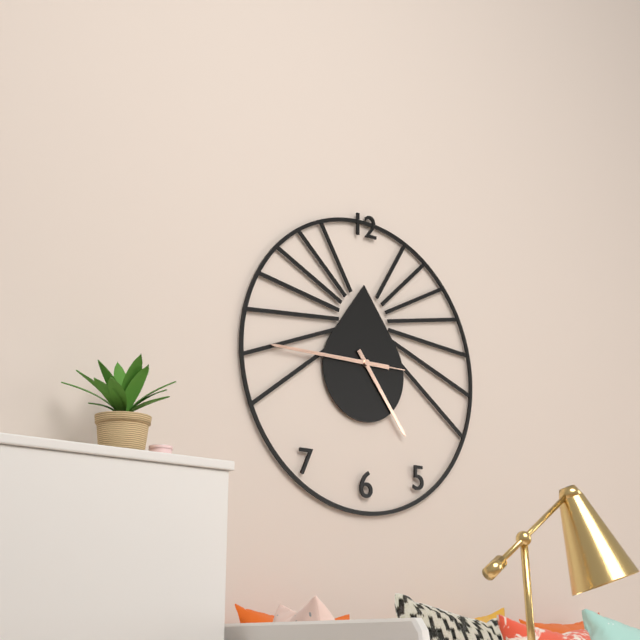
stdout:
**4:45:45**
